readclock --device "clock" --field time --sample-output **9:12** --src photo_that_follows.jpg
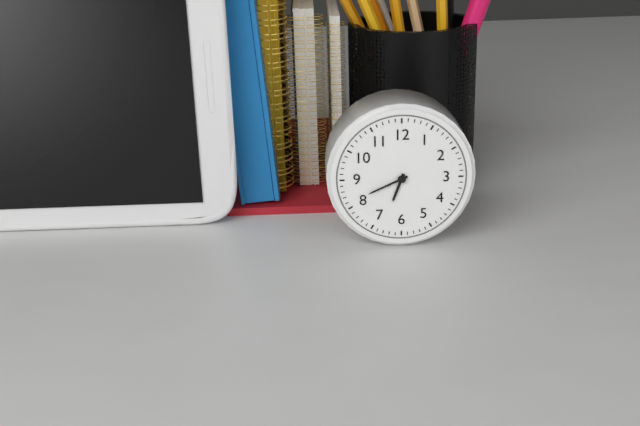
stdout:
**6:41**
